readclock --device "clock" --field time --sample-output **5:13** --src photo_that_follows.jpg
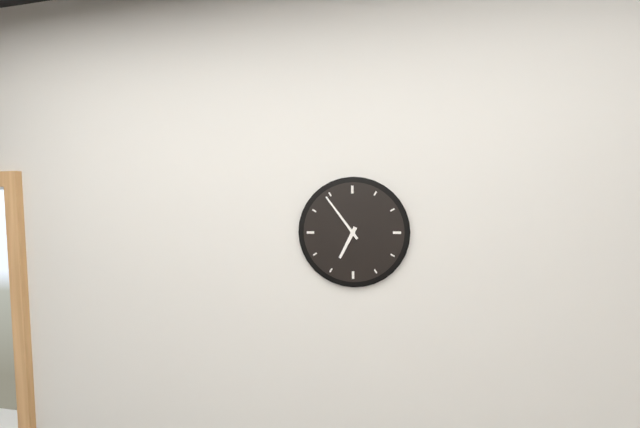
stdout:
**6:54**
